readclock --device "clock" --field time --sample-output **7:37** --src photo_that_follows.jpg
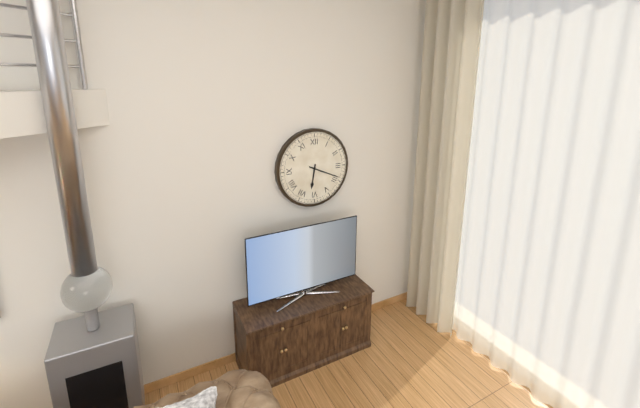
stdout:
**6:19**
